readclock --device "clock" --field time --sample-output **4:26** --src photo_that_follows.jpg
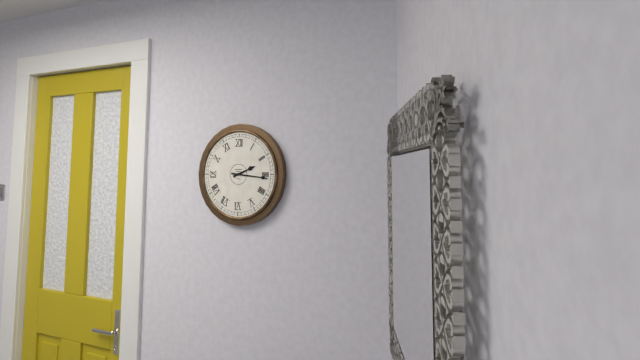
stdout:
**2:16**
